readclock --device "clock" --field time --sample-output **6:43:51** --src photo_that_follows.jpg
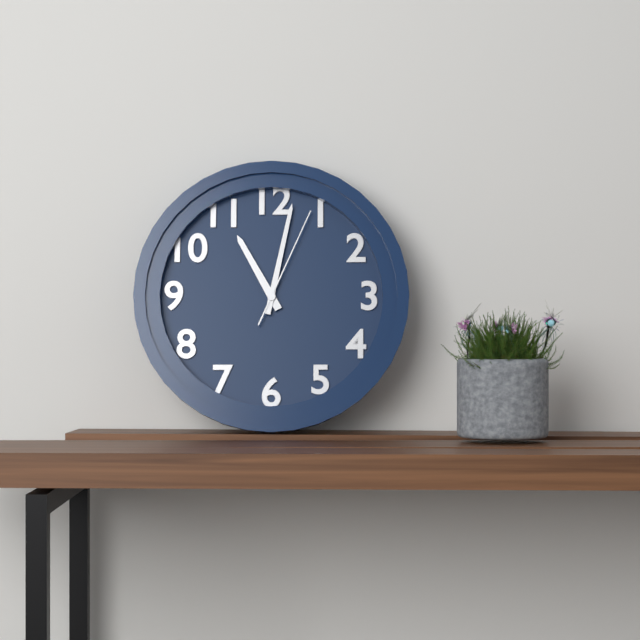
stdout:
**11:02:04**
